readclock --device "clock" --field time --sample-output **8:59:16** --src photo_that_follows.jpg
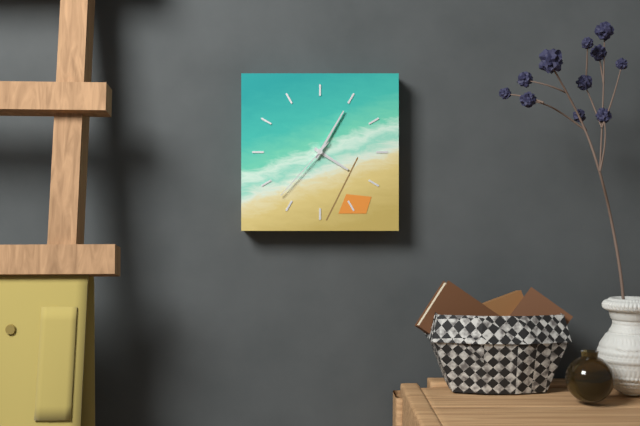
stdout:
**4:05:37**
